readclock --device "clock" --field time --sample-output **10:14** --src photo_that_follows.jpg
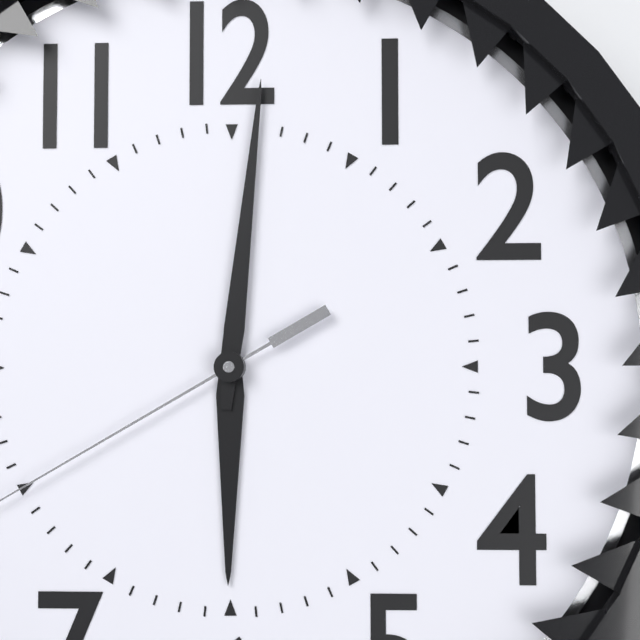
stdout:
**6:01**
